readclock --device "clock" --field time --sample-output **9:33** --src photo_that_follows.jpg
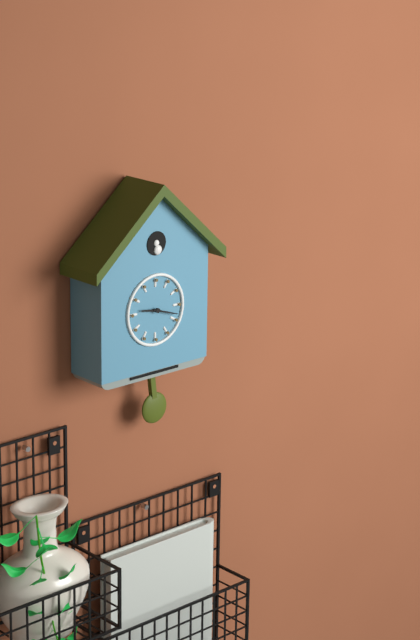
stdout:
**9:18**
